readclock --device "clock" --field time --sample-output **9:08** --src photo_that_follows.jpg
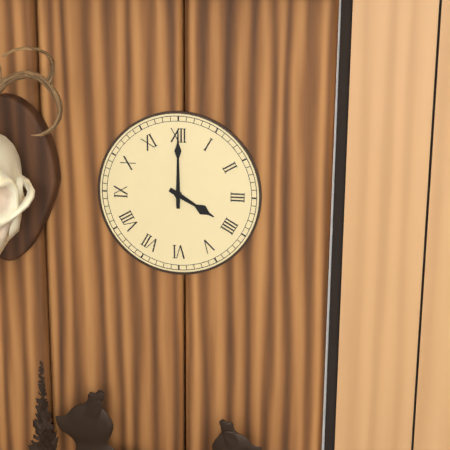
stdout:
**4:00**
